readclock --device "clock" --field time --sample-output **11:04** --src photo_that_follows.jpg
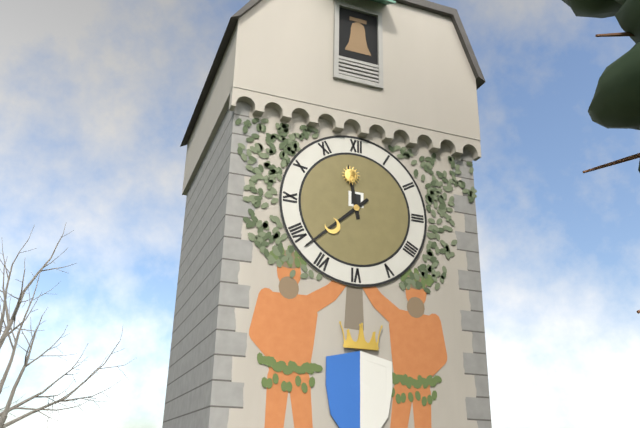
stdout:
**11:38**
